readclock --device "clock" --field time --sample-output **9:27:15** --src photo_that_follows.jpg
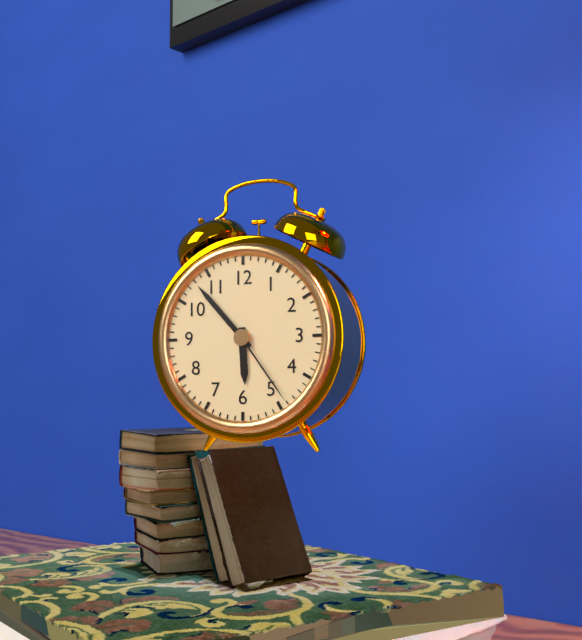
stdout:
**5:53:24**
